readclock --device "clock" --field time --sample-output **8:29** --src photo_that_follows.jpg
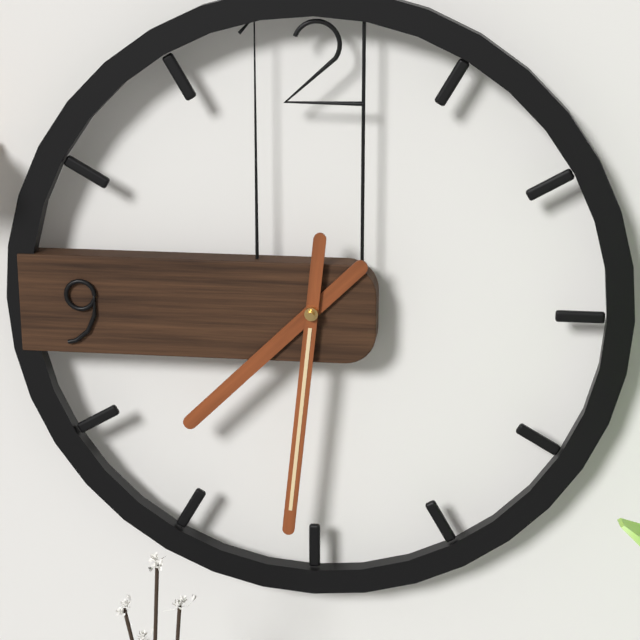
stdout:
**7:31**
